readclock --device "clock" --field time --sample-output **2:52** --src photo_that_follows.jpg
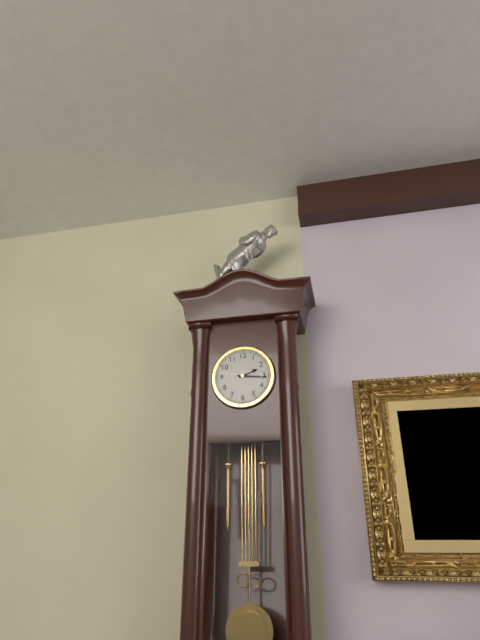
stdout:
**2:16**
